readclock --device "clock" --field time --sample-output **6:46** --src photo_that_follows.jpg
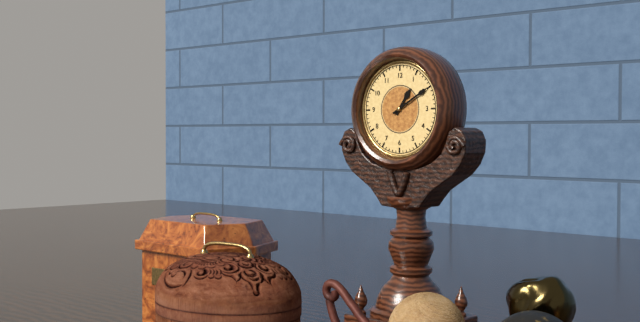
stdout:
**1:10**
